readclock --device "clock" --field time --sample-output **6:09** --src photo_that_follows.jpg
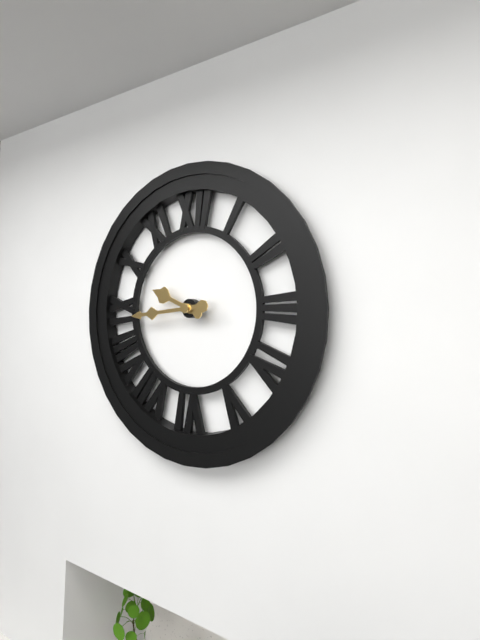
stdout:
**9:44**
